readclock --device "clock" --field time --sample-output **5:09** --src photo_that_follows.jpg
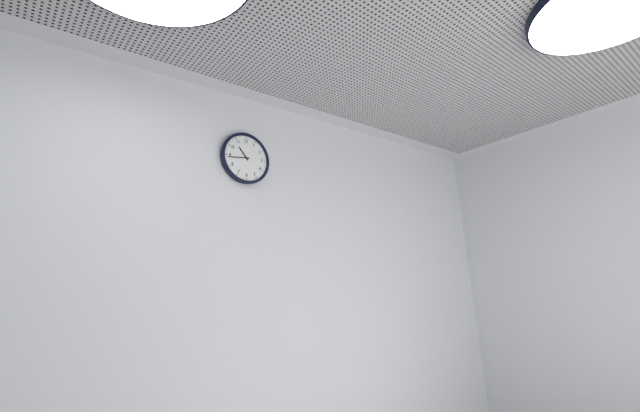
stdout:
**10:44**
